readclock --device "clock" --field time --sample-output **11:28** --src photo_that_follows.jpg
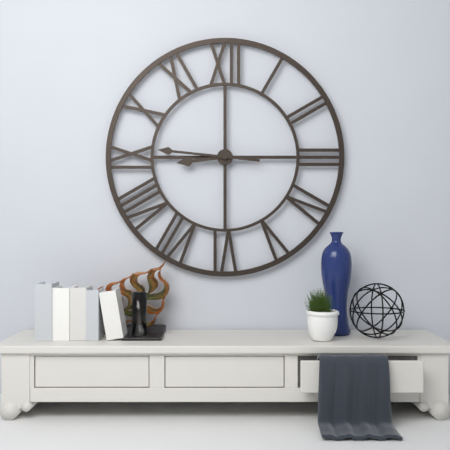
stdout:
**8:46**
